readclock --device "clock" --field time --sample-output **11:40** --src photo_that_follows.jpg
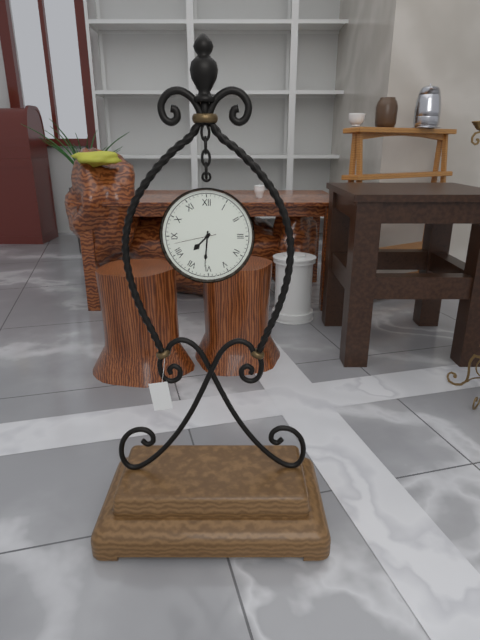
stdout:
**7:31**
